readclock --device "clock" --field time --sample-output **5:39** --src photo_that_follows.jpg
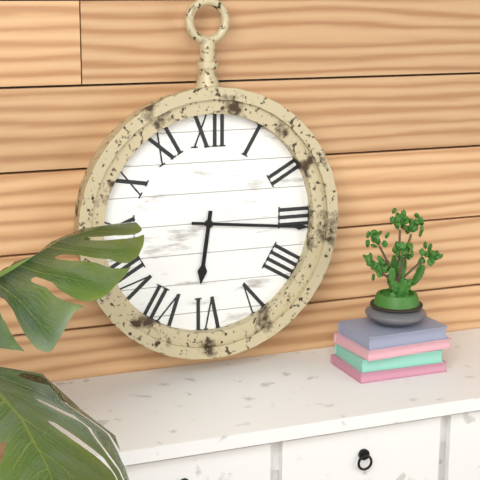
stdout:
**6:16**
